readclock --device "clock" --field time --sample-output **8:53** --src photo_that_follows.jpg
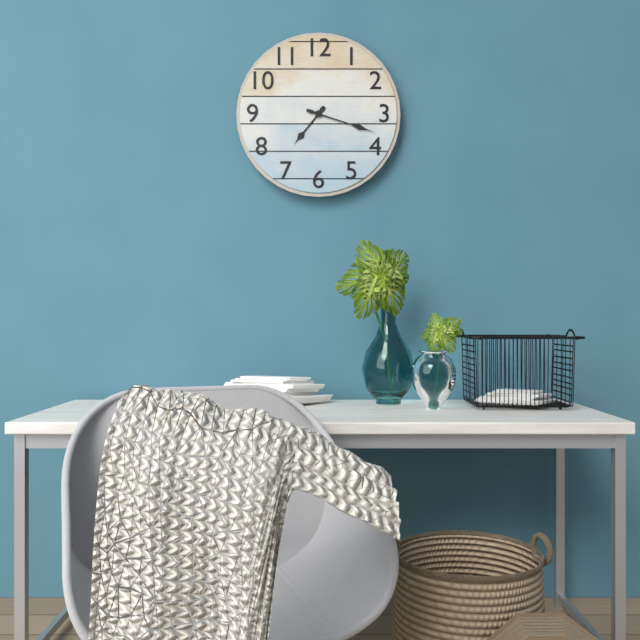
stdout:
**7:18**
